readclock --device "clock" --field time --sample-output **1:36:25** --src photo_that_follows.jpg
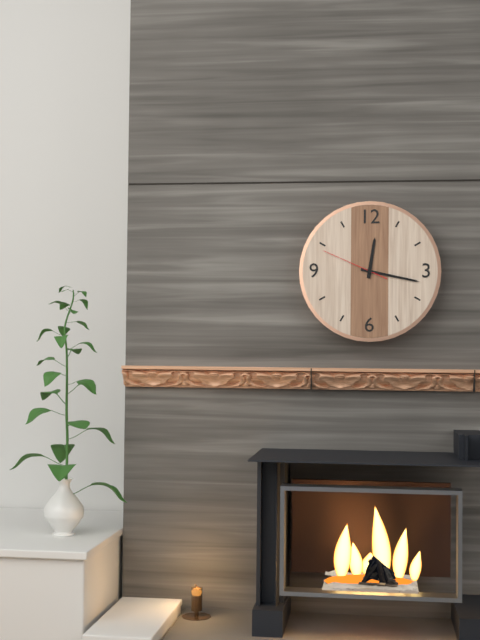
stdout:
**12:17:49**
